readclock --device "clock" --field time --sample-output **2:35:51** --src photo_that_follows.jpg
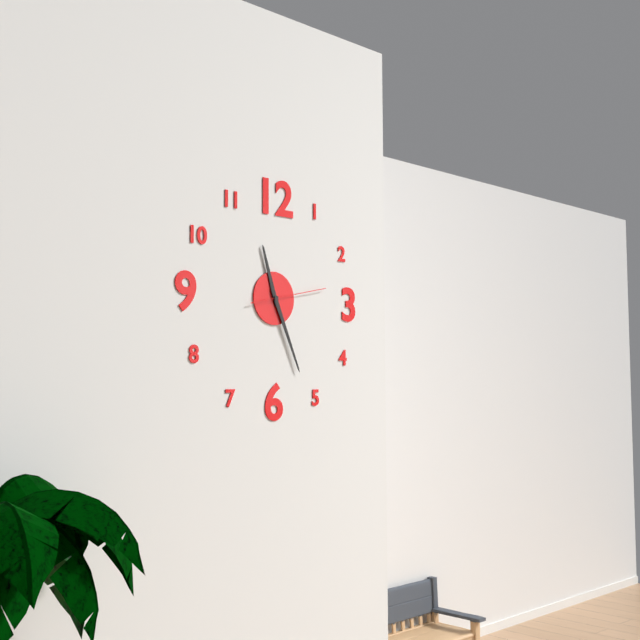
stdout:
**11:26:13**
